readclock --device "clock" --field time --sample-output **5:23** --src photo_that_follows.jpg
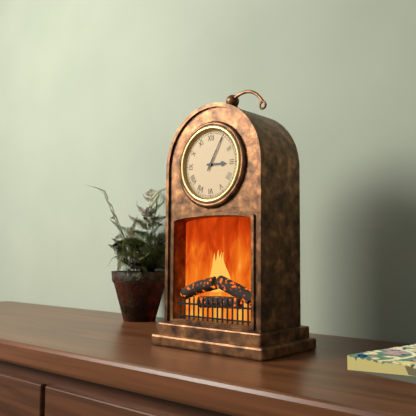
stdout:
**3:05**
